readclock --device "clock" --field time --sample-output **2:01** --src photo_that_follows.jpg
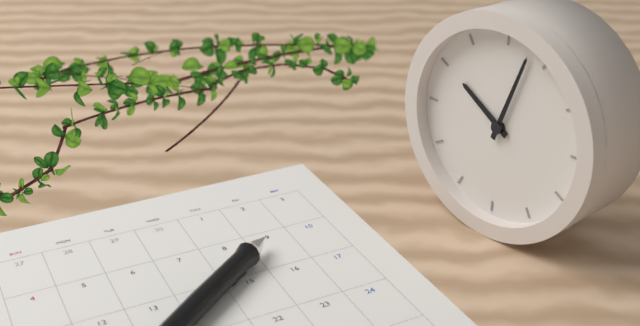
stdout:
**10:03**
